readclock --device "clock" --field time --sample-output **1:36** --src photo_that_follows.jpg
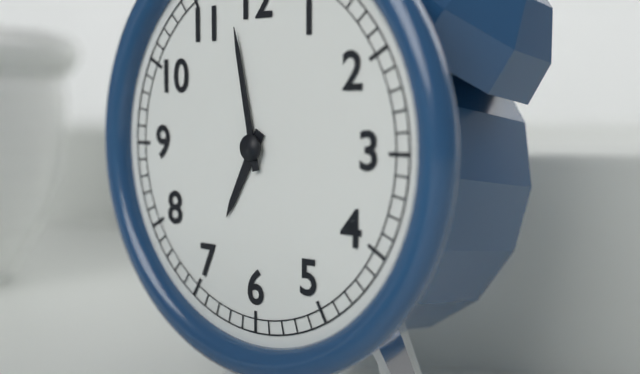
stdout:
**6:58**
